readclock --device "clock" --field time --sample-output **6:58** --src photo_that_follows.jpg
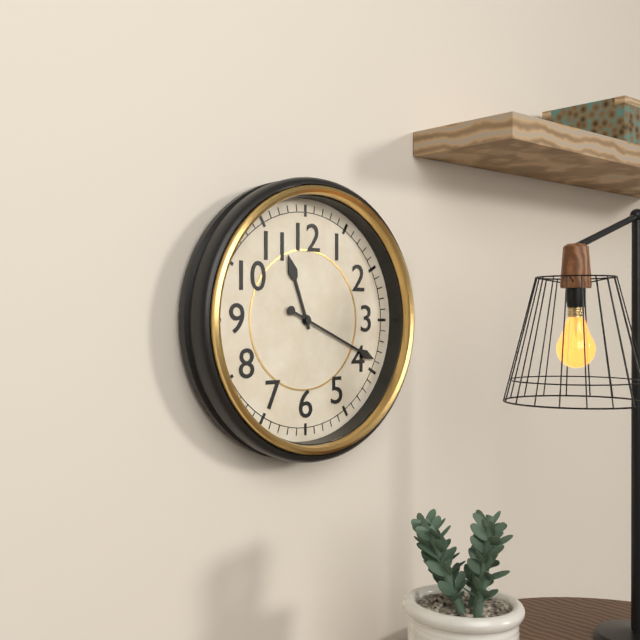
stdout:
**11:19**
